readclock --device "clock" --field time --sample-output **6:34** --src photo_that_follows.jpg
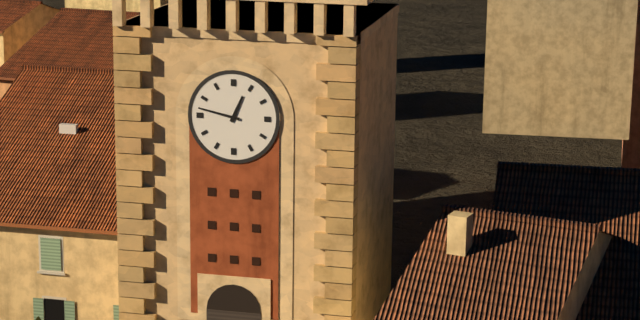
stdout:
**12:47**
